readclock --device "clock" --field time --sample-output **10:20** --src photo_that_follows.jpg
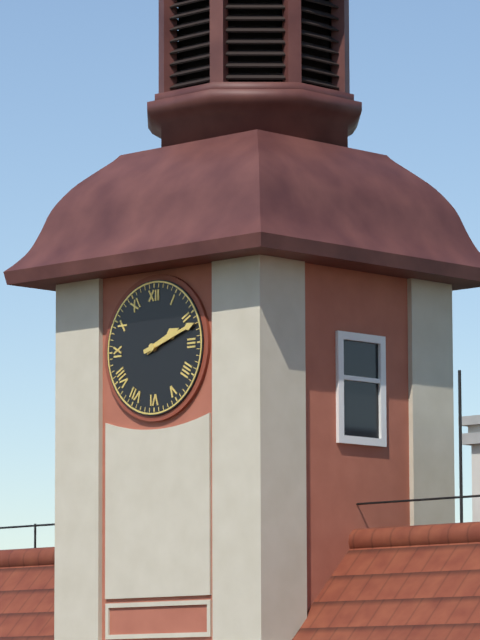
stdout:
**2:12**
